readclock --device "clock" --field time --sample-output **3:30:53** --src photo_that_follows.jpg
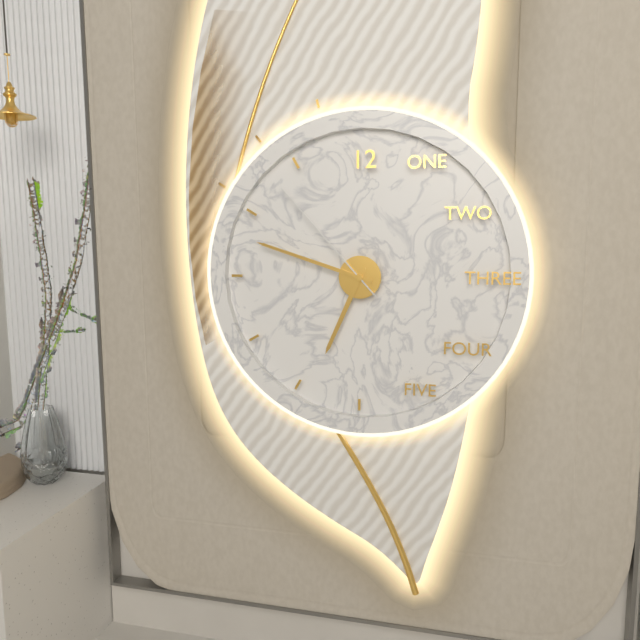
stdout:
**6:48:53**
